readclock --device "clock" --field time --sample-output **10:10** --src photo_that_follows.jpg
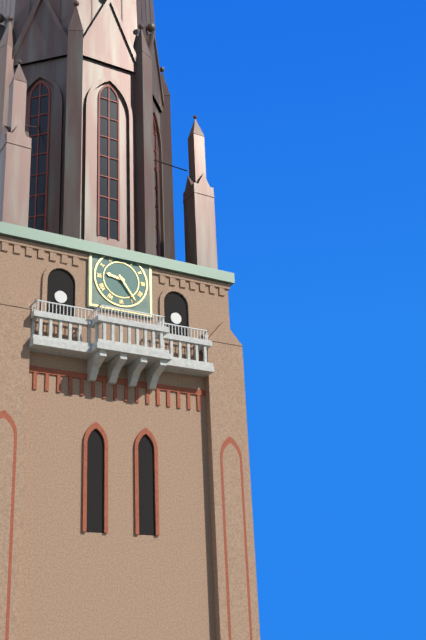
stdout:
**9:24**
